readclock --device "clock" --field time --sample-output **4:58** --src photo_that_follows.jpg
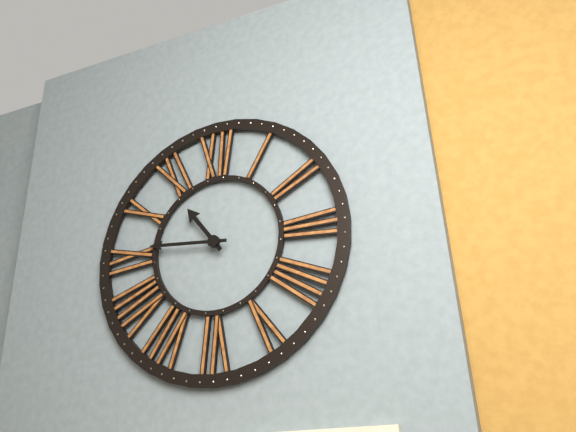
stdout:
**10:46**
